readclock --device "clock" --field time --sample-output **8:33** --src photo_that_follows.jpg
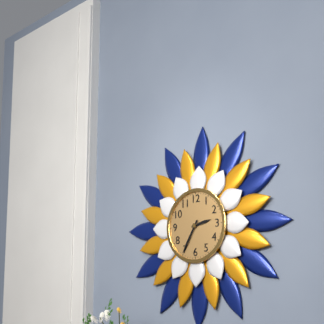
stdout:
**2:35**
